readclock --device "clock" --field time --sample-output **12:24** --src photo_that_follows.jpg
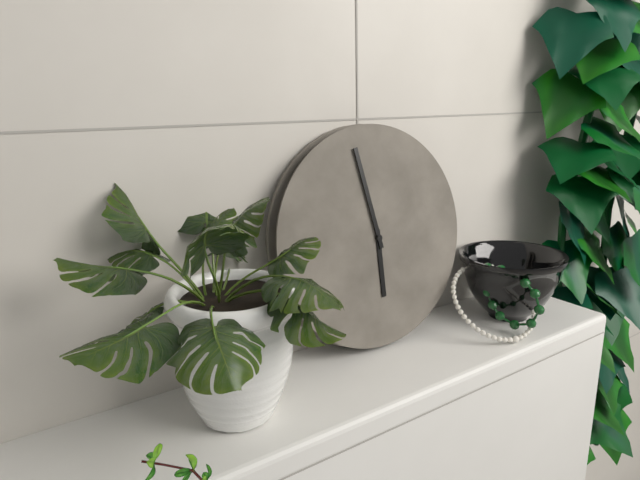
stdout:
**5:58**
